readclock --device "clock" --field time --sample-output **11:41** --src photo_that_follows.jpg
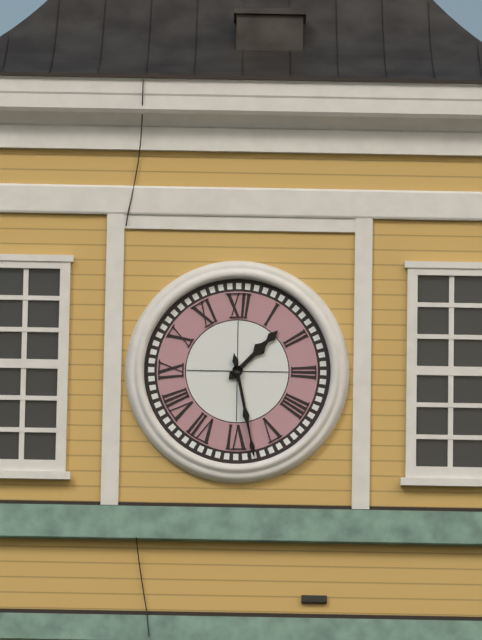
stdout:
**1:28**
